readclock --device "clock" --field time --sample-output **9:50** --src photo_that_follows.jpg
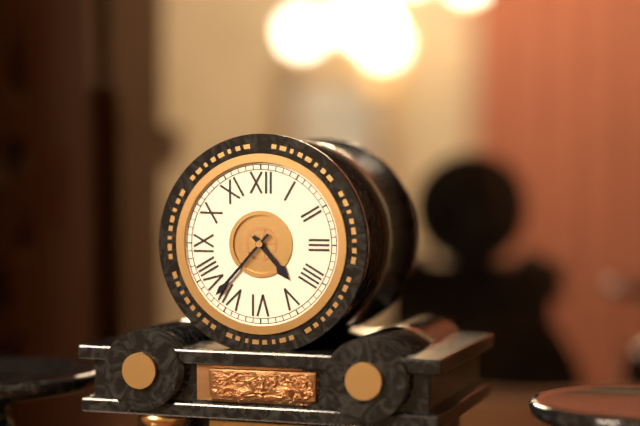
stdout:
**4:37**
